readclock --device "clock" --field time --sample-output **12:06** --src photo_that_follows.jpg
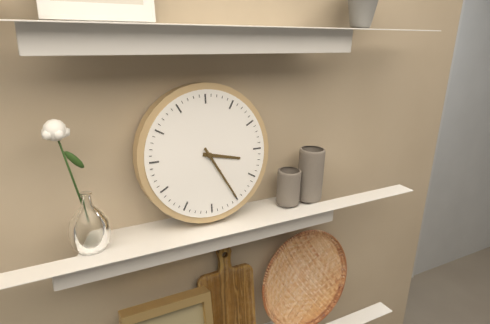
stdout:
**3:25**
